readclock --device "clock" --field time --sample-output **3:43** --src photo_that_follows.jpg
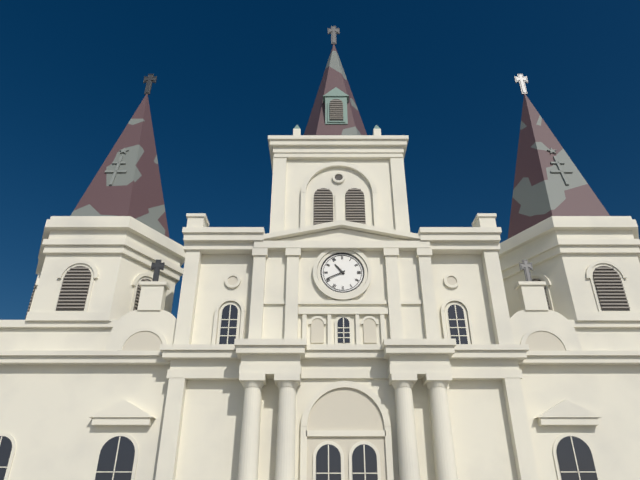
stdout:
**10:41**
